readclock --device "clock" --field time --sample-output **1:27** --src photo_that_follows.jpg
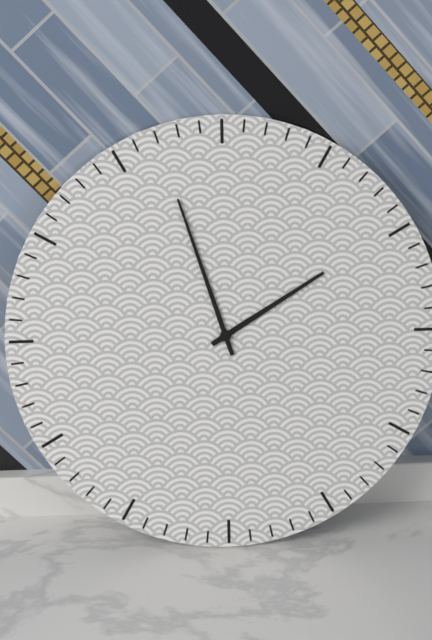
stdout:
**1:57**
